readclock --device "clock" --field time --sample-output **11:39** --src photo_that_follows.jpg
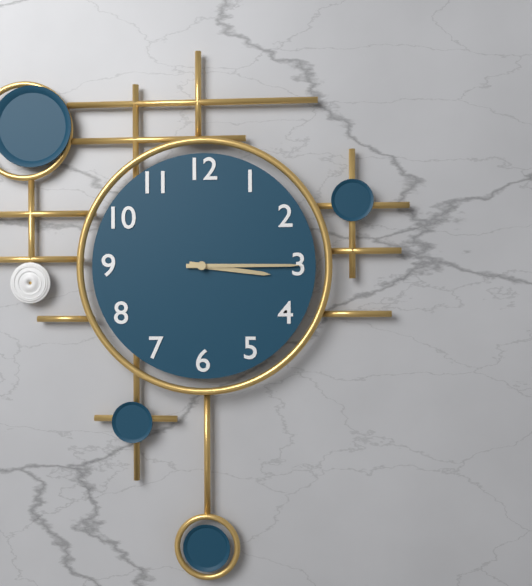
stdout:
**3:15**
